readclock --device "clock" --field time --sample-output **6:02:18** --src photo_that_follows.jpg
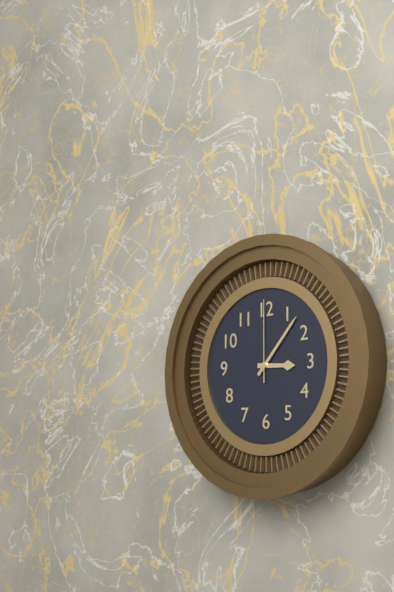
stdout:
**3:07:00**
